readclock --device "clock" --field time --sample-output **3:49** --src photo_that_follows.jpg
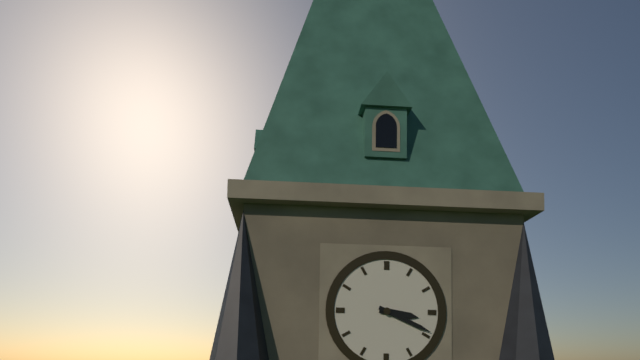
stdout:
**3:19**
